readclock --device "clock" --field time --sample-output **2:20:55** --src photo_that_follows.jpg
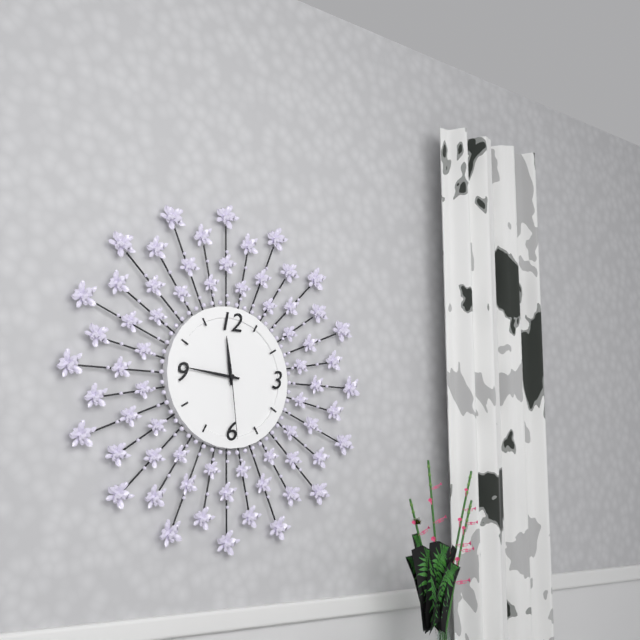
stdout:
**11:46:29**
